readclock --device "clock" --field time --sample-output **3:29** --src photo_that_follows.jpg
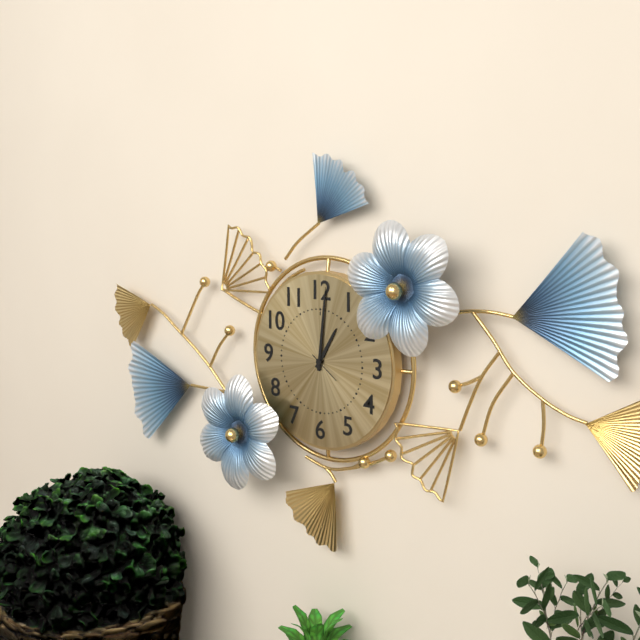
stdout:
**1:01**
